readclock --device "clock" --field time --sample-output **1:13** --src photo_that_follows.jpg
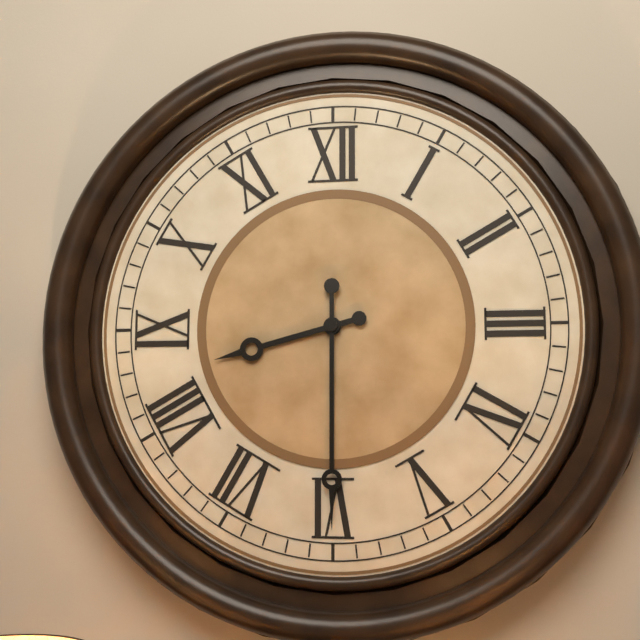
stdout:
**8:30**
